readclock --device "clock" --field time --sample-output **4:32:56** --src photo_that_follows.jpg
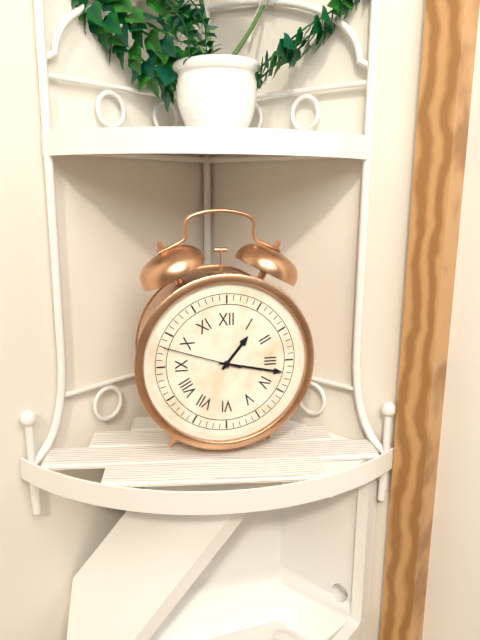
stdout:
**1:17:48**
